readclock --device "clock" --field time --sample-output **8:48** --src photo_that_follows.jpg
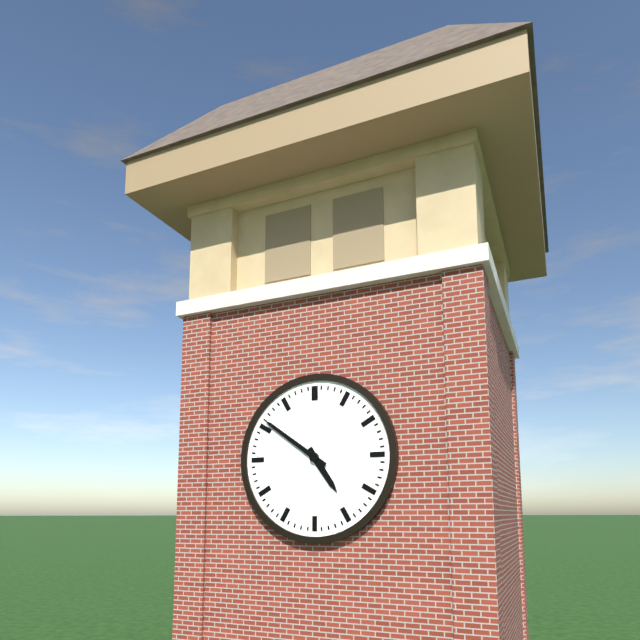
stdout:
**4:51**
